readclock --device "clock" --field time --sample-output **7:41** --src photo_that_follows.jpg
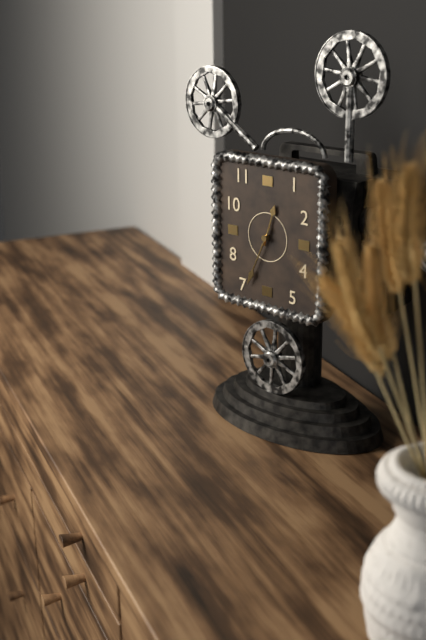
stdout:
**12:34**
